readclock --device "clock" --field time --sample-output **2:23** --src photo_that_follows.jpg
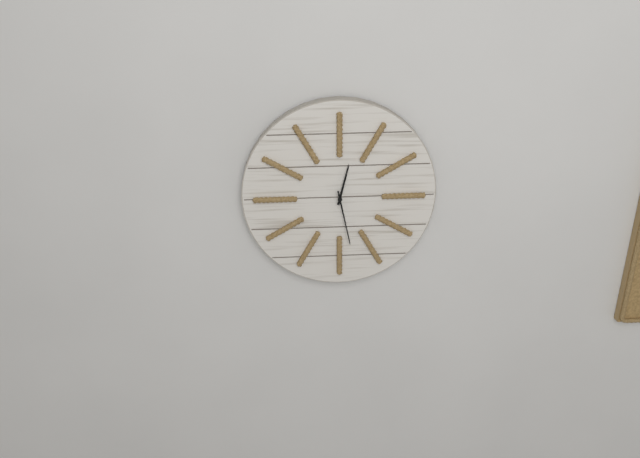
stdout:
**12:28**
